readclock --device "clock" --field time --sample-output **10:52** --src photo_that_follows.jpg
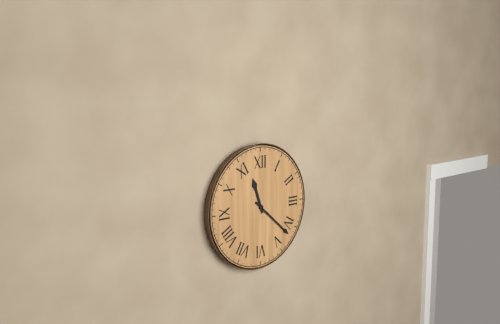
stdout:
**11:22**
